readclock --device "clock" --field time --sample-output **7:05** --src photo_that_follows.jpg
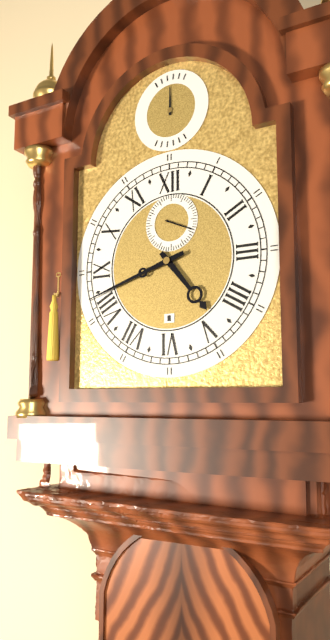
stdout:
**4:42**
